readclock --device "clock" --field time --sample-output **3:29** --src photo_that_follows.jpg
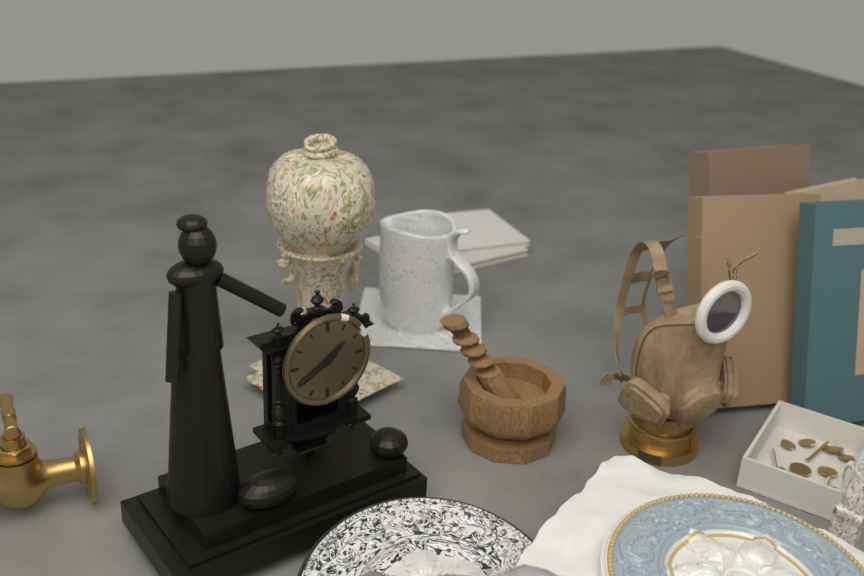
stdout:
**1:40**
